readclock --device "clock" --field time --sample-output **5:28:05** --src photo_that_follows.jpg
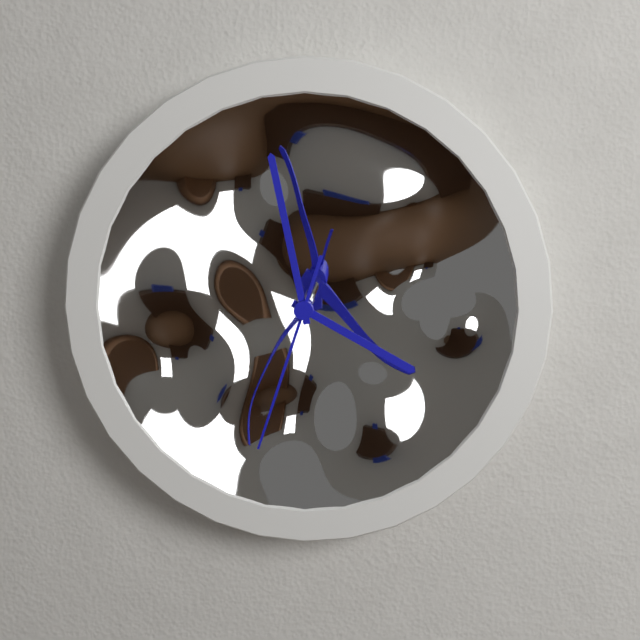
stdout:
**3:58:33**
